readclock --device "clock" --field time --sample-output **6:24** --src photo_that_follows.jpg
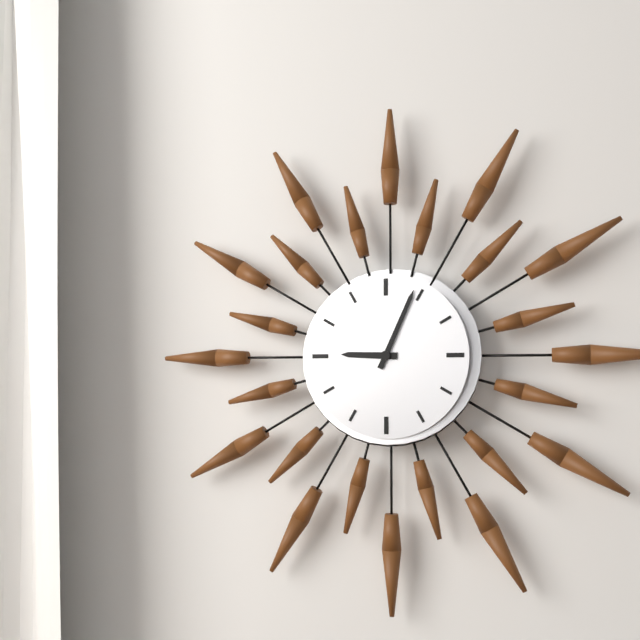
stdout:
**9:04**
